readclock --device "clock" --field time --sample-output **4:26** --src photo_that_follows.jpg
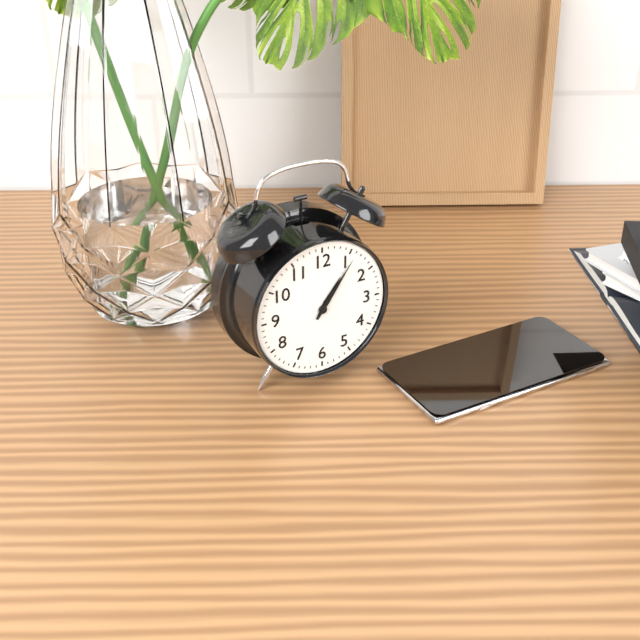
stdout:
**1:06**
